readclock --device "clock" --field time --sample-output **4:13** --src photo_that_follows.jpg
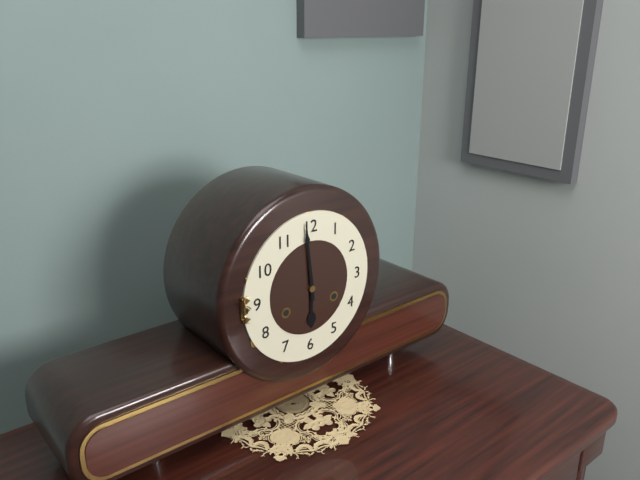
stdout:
**5:59**
